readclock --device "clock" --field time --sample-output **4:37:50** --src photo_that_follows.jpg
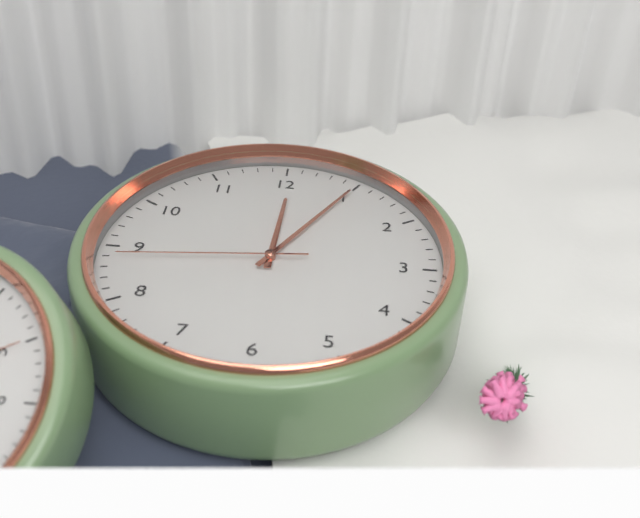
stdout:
**12:05:44**
